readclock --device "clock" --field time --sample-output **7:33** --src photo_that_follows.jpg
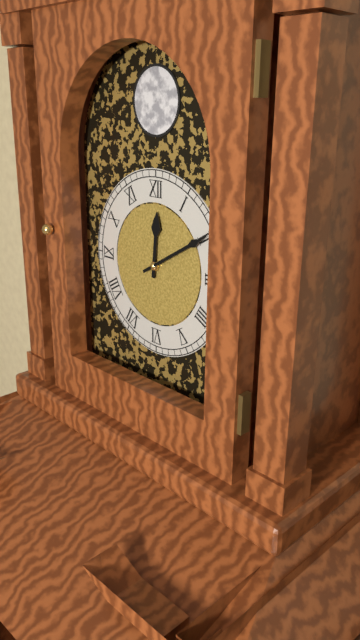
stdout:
**12:10**
